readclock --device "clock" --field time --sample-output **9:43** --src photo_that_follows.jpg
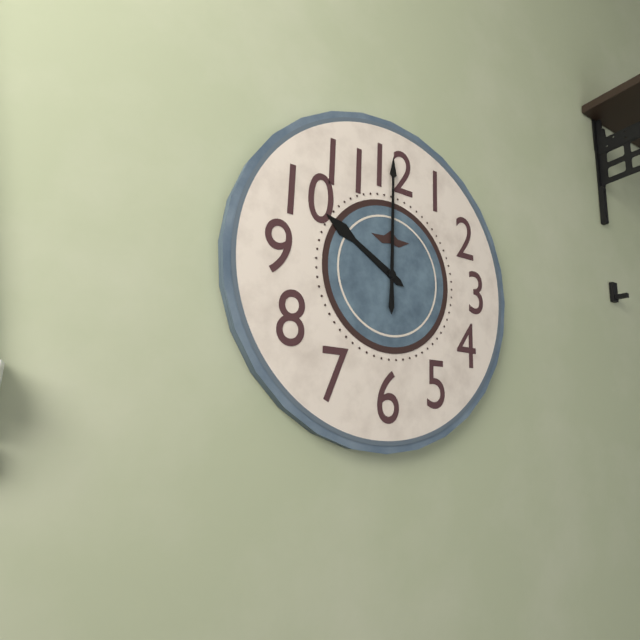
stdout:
**10:00**
